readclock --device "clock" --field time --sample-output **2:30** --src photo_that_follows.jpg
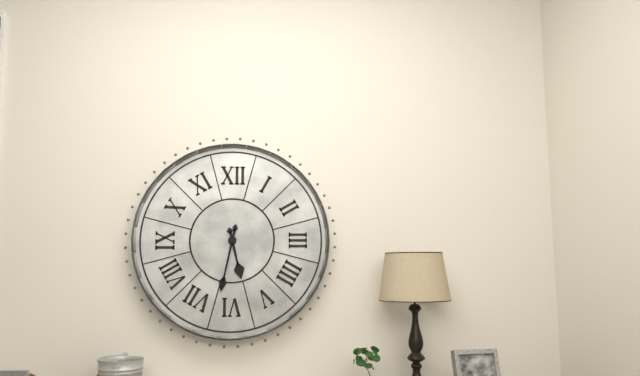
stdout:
**5:32**
